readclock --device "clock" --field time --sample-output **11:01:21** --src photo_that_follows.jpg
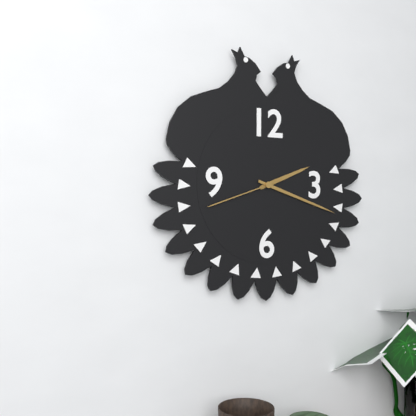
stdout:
**2:18:42**
